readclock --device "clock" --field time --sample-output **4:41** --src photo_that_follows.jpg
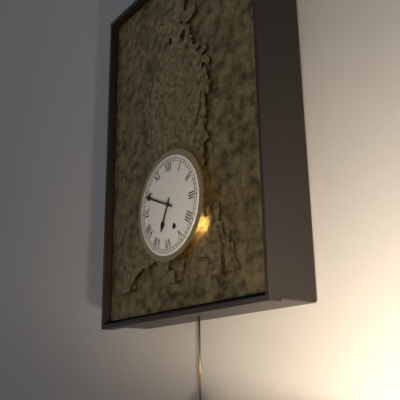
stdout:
**6:49**
